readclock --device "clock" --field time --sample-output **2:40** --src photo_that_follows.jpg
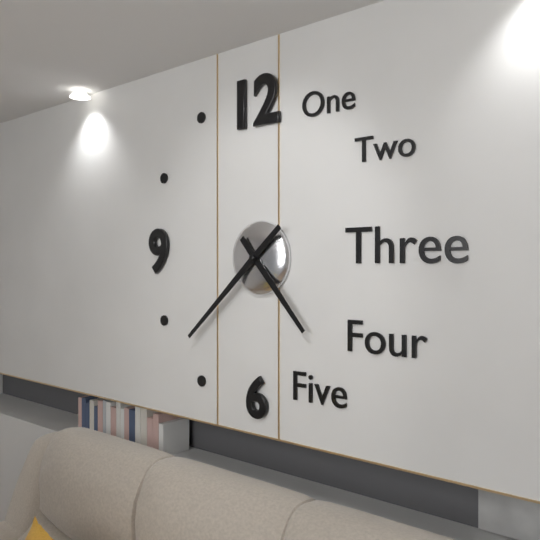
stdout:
**4:38**
